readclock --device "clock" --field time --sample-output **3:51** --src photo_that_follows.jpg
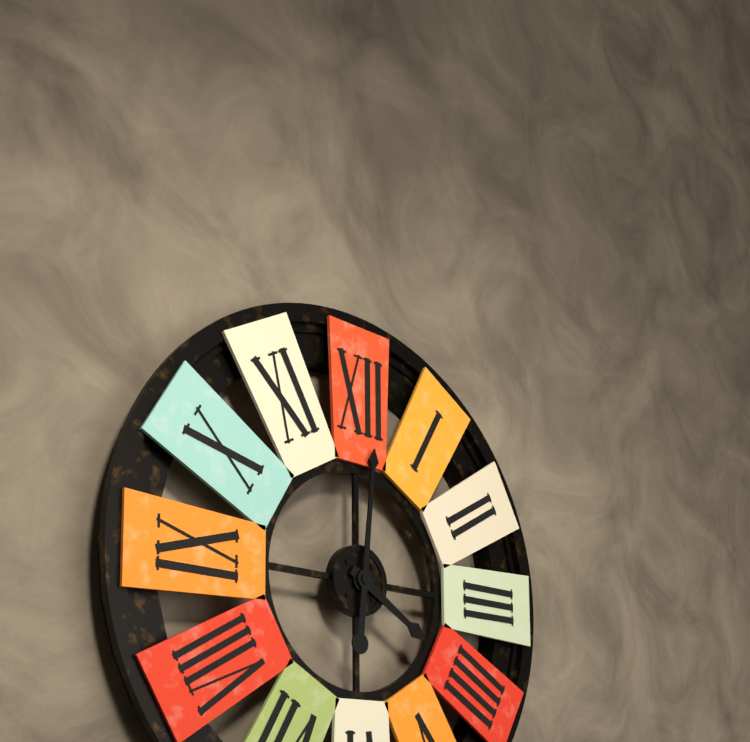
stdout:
**4:01**
